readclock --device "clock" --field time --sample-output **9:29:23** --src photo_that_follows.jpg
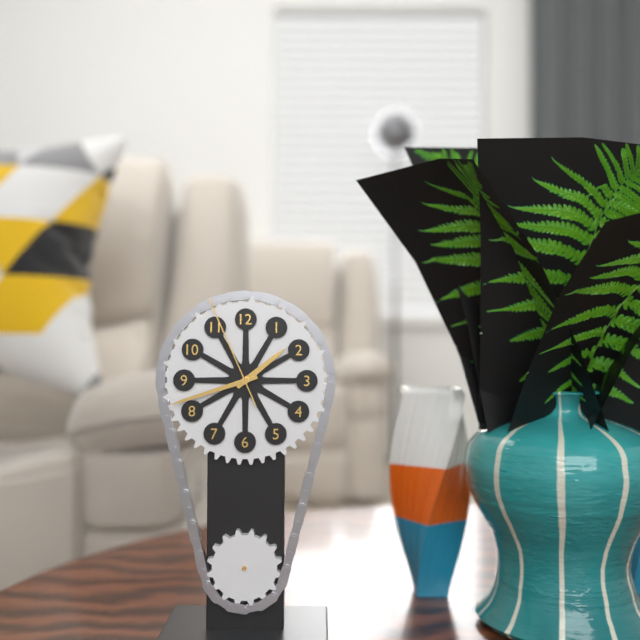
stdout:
**1:42:56**
